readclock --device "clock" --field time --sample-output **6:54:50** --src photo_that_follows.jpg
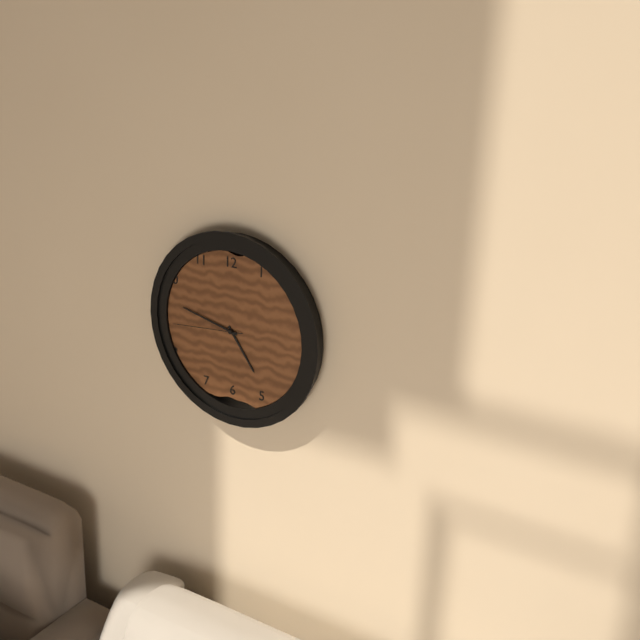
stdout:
**4:47:44**
